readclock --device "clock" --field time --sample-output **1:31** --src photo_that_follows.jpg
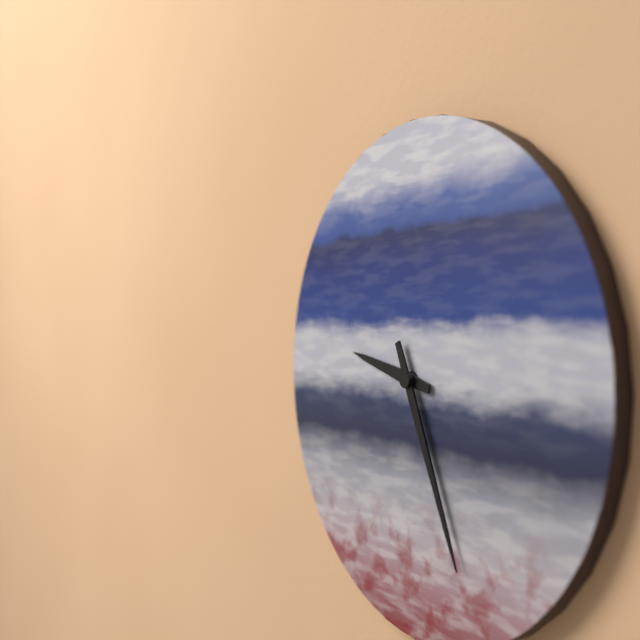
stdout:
**9:26**
